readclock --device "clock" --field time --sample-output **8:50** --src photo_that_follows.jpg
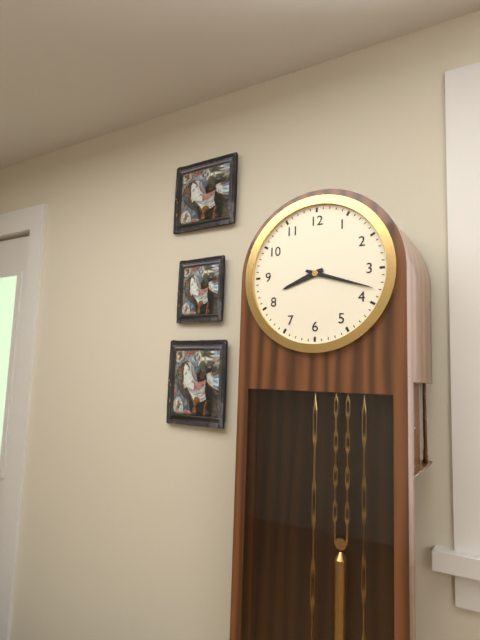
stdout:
**8:18**
